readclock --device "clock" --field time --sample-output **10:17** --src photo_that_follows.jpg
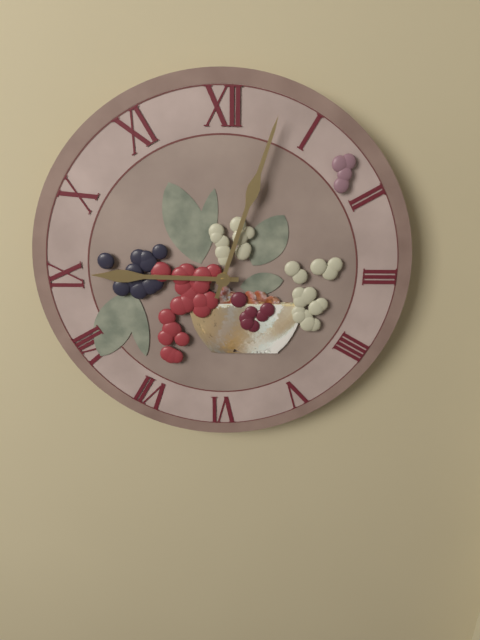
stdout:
**9:03**
